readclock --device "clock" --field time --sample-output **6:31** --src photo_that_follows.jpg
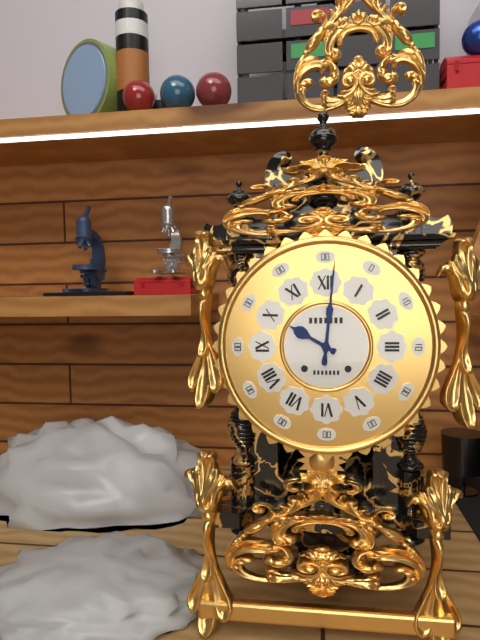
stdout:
**10:01**
